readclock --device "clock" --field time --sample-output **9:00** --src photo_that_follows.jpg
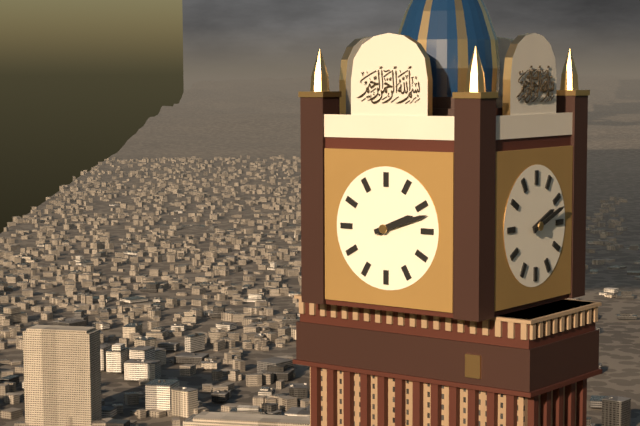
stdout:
**2:12**
